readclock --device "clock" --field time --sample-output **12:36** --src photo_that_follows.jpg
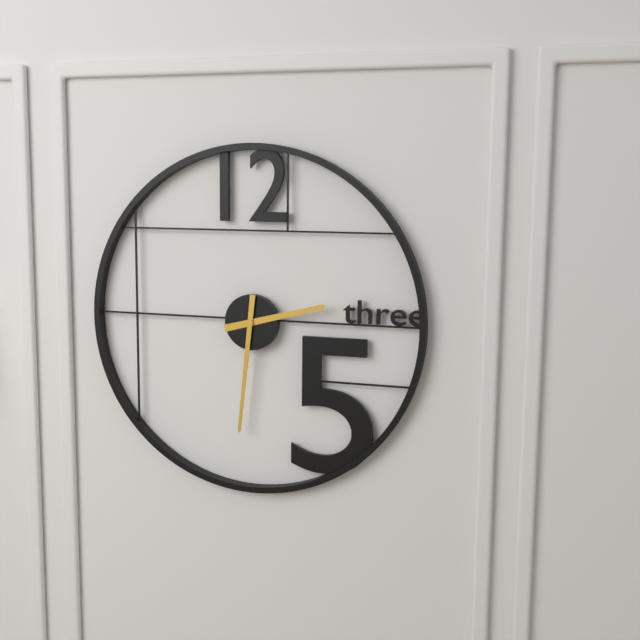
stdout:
**2:31**
